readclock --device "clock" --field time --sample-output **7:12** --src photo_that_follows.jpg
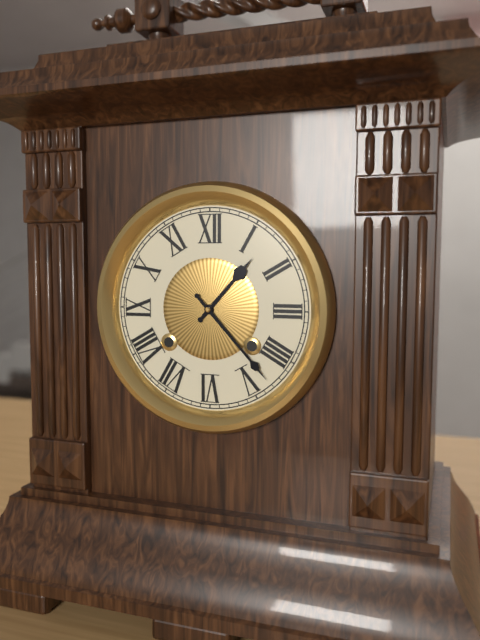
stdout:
**1:23**
